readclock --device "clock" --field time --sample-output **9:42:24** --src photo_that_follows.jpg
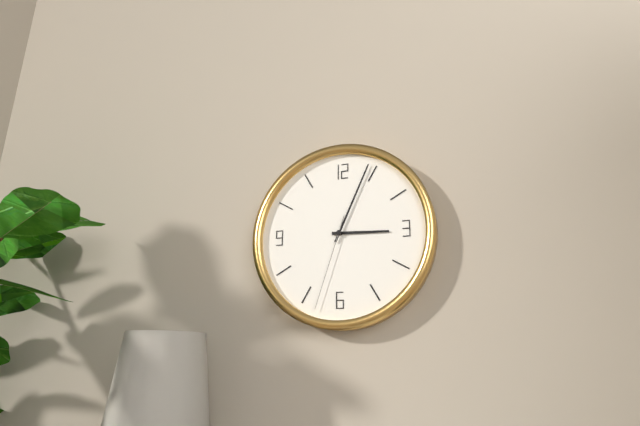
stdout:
**3:04:33**
